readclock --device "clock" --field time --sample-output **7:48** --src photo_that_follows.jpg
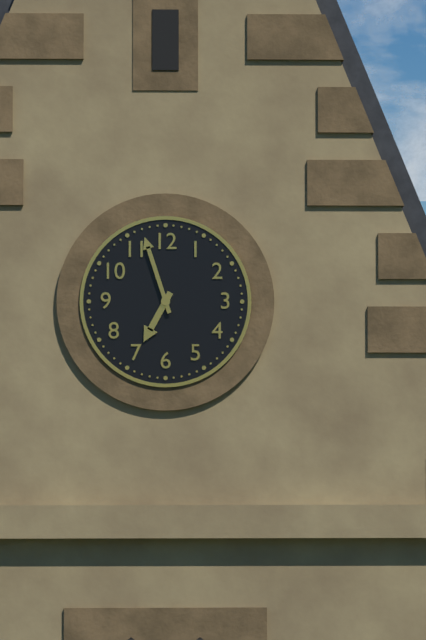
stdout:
**6:57**
